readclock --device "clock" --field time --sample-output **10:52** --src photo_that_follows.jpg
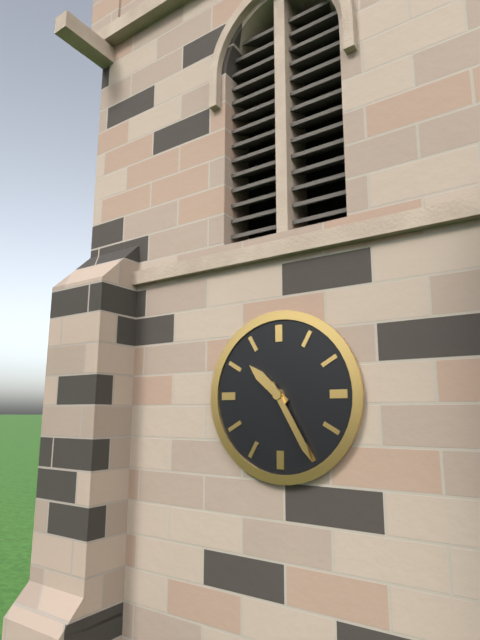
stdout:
**10:25**
